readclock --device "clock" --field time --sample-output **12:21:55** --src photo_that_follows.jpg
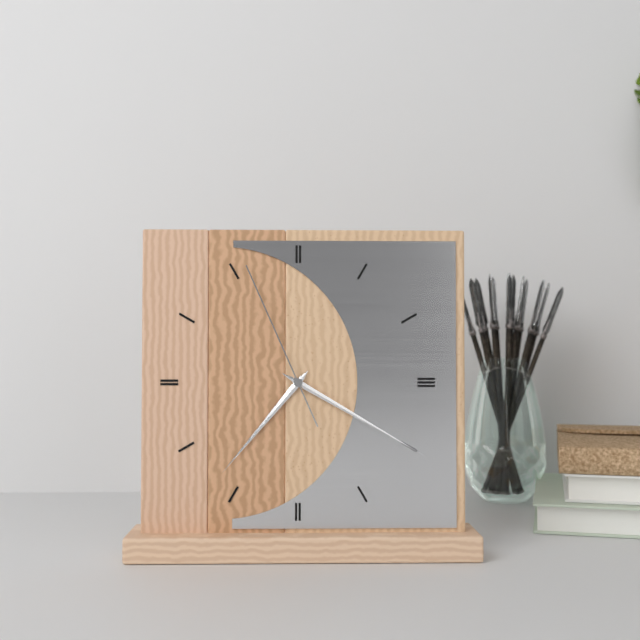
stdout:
**7:20:56**
